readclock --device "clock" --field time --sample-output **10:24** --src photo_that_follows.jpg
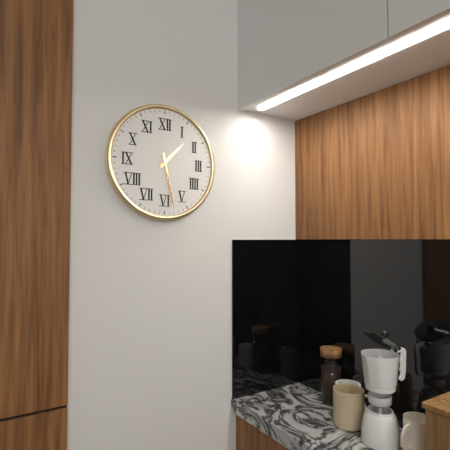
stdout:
**1:28**
